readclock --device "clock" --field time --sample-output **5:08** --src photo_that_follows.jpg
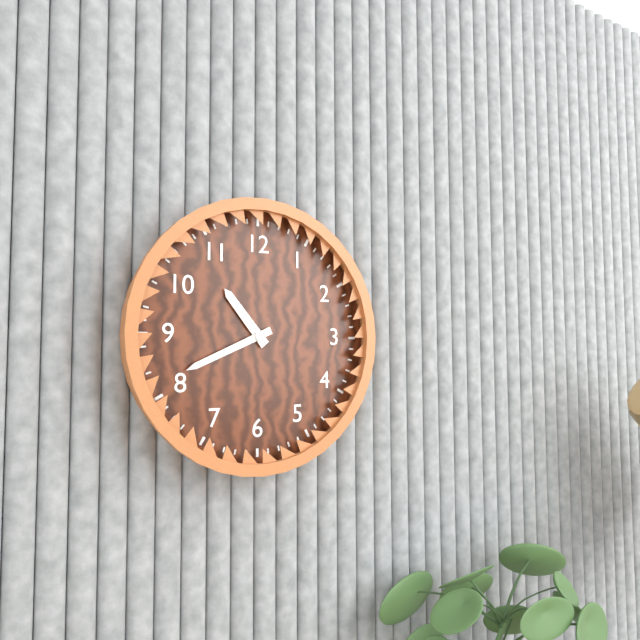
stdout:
**10:41**
